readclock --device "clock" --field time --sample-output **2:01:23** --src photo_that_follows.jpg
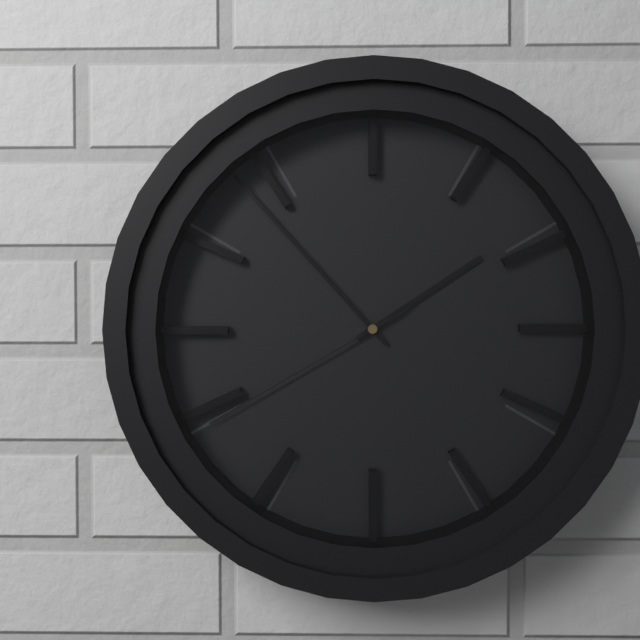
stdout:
**1:53:40**
